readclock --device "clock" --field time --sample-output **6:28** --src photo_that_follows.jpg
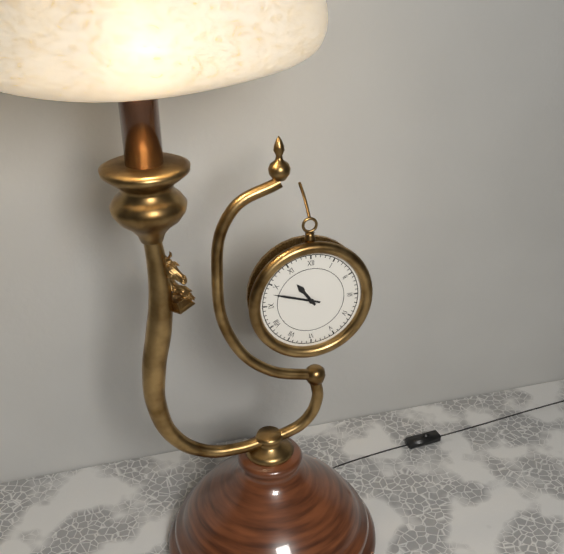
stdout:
**10:48**
